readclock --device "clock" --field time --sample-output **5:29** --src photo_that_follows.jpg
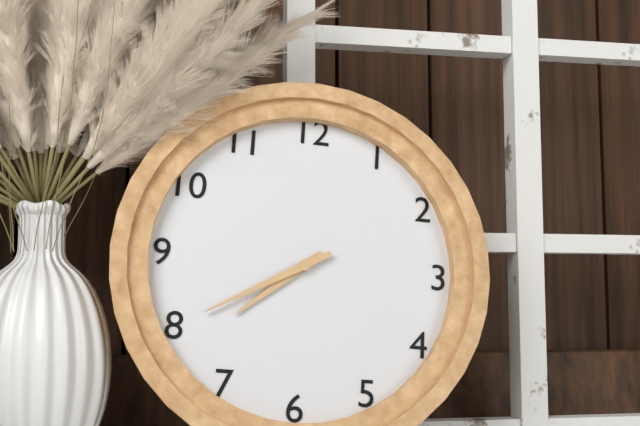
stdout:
**7:40**
